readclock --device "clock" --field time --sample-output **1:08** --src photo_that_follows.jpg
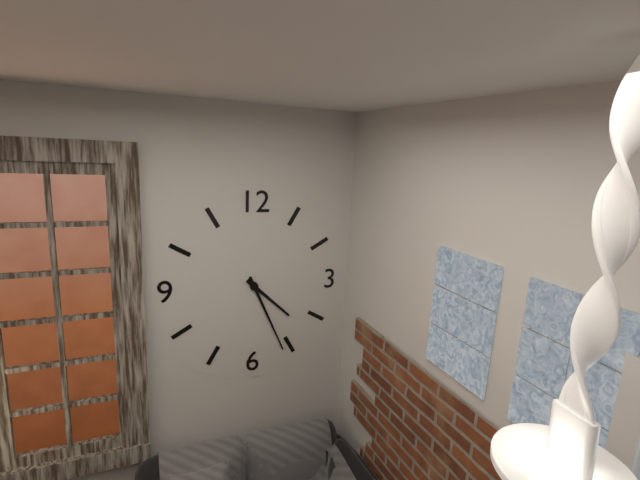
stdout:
**4:26**
